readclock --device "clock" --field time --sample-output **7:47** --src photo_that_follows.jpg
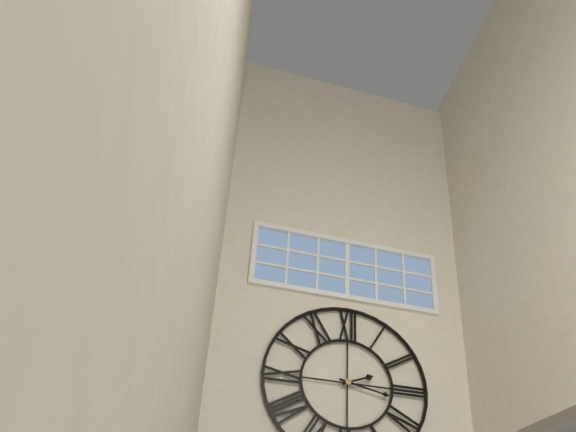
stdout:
**2:17**
